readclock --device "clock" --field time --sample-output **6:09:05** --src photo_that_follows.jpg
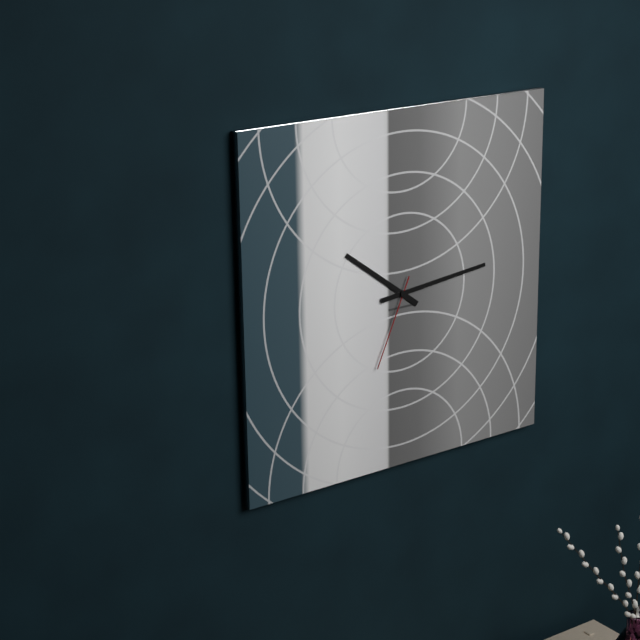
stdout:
**10:14:34**
